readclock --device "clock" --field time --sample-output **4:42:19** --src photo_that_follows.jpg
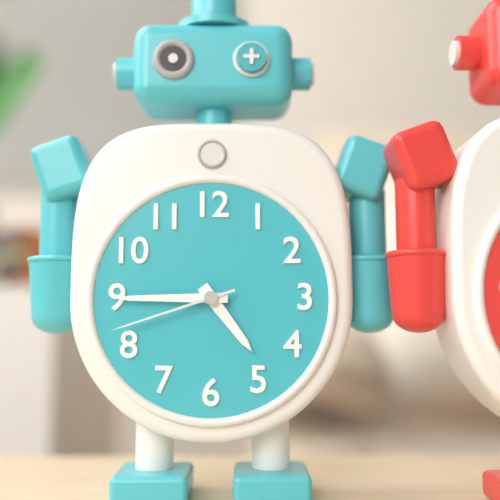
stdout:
**4:45:42**
